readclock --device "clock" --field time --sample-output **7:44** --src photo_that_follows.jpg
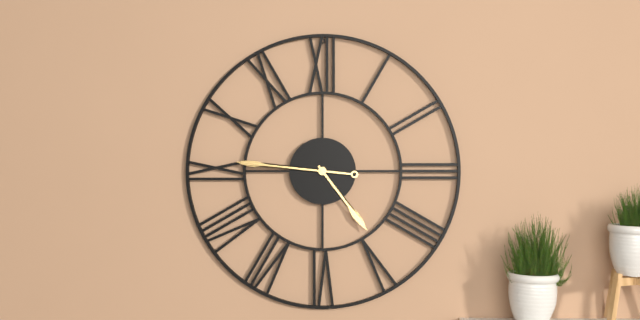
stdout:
**4:46**
